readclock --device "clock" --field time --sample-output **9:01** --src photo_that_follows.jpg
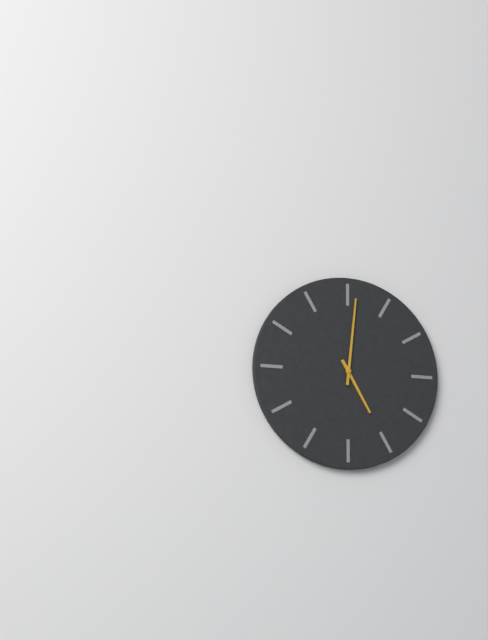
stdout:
**5:01**
